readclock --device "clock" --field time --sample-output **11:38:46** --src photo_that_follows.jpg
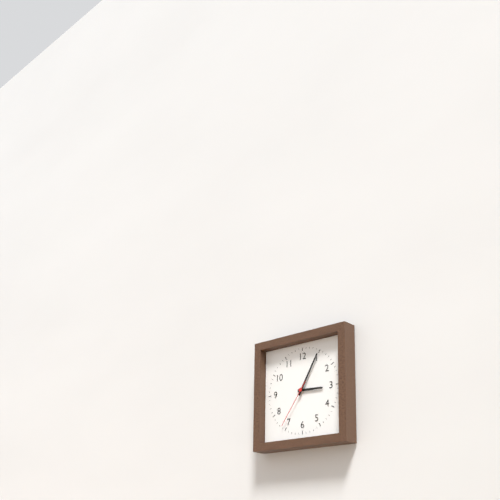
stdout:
**3:05:36**
